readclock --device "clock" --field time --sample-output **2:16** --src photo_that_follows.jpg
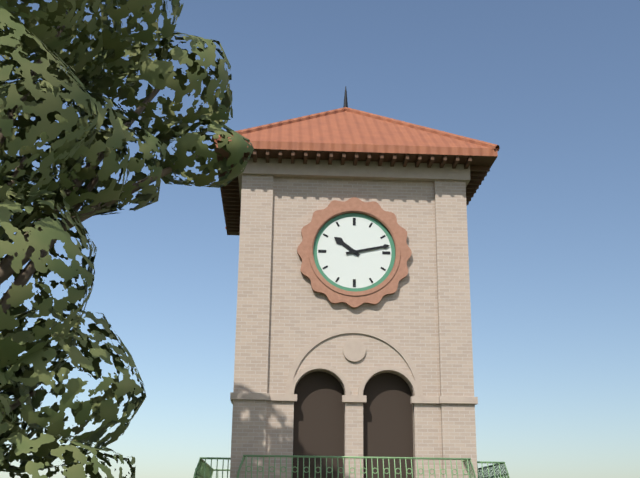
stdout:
**10:13**
